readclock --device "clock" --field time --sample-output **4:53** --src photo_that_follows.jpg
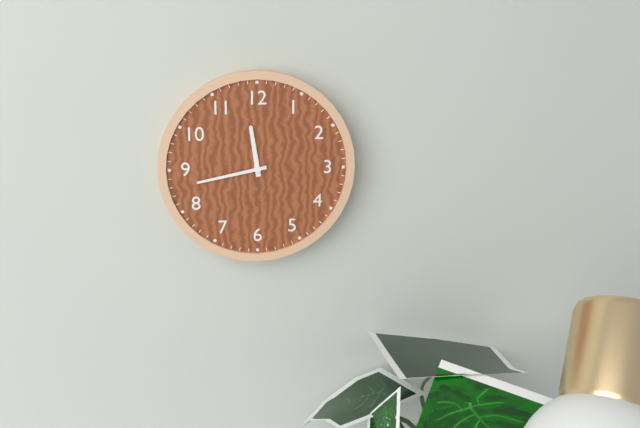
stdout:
**11:43**
